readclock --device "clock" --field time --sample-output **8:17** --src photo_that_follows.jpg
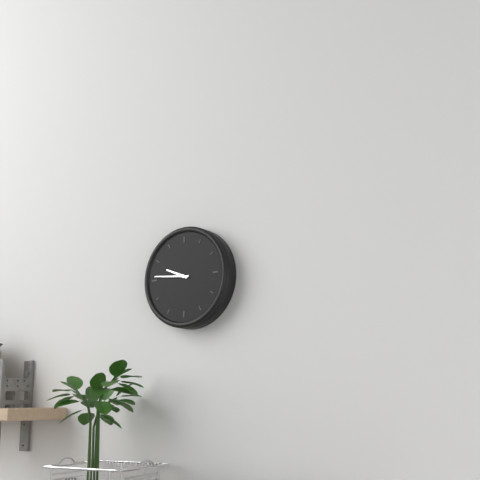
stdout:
**9:46**
